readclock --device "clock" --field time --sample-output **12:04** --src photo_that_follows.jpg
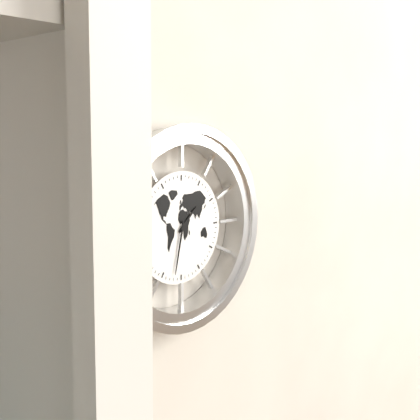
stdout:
**1:32**
